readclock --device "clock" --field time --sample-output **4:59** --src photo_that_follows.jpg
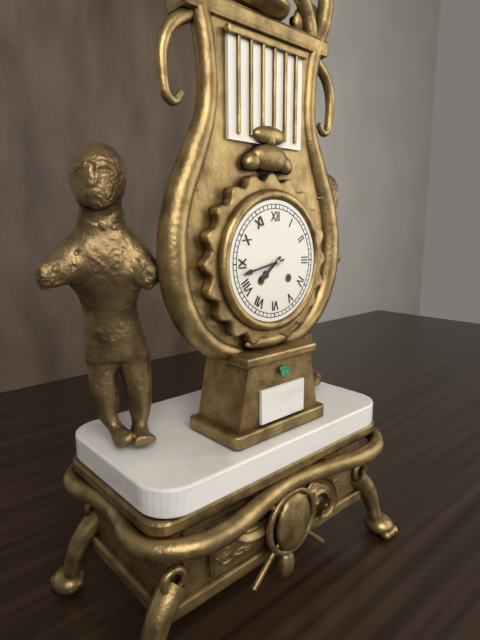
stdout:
**7:43**
